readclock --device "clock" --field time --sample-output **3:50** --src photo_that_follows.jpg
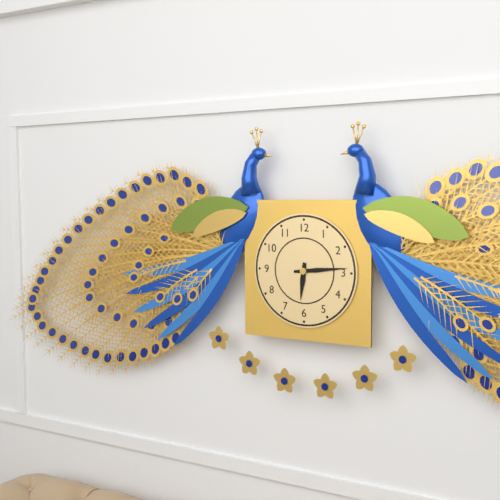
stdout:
**6:14**
